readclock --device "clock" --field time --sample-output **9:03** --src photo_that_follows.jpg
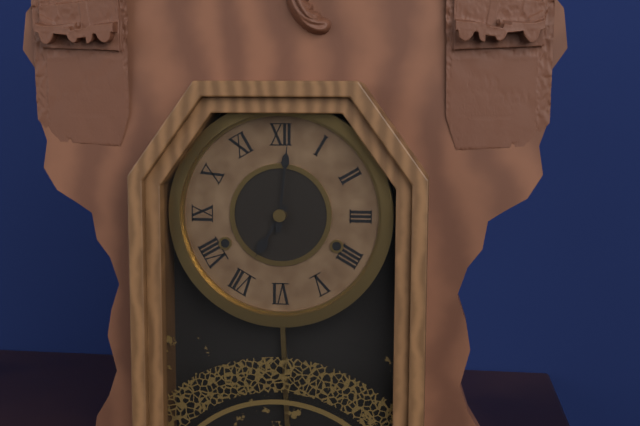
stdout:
**7:01**
